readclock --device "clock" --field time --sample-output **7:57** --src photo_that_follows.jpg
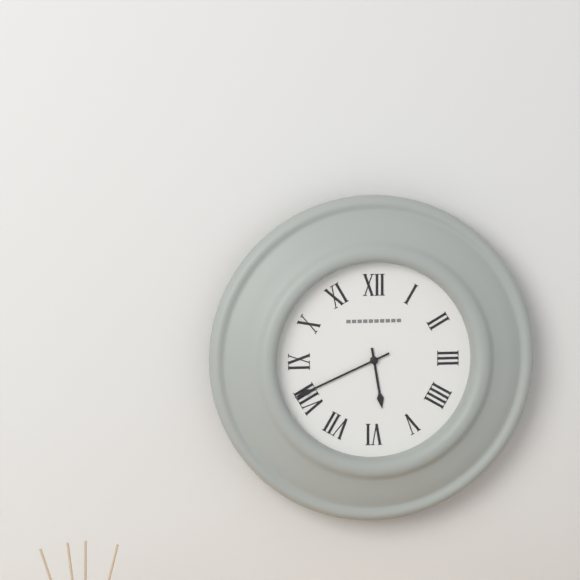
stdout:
**5:41**
